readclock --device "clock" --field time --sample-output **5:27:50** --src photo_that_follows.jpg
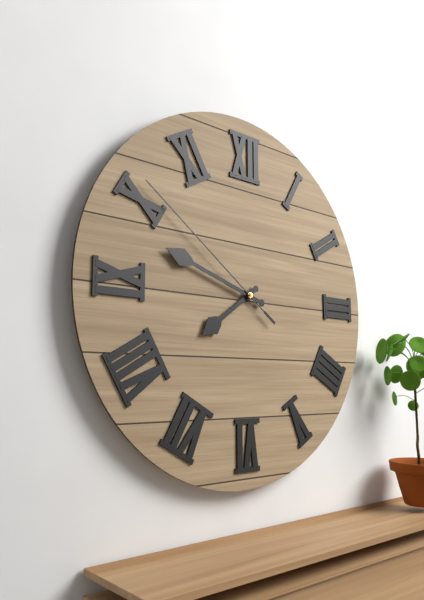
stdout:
**7:48:51**
